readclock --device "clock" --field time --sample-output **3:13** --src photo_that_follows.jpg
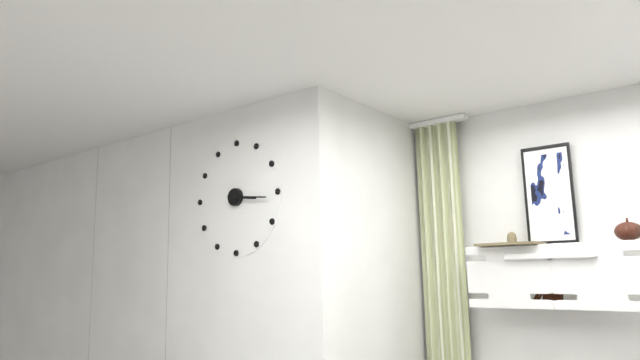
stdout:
**3:16**
